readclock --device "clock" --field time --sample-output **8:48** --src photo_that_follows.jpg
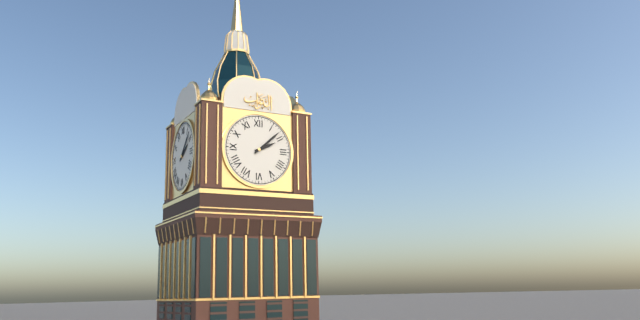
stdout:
**2:08**
